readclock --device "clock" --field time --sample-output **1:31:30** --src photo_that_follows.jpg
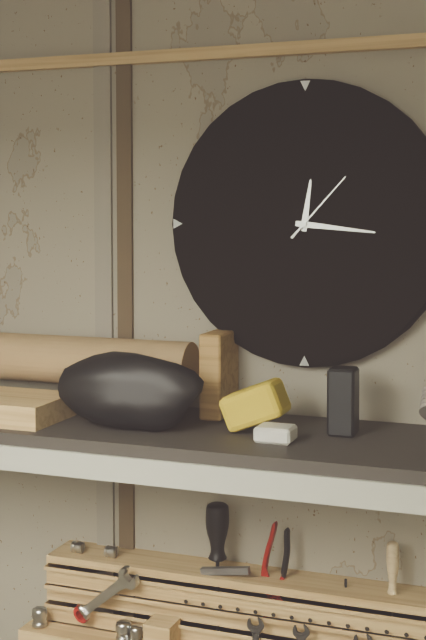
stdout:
**12:16:07**
